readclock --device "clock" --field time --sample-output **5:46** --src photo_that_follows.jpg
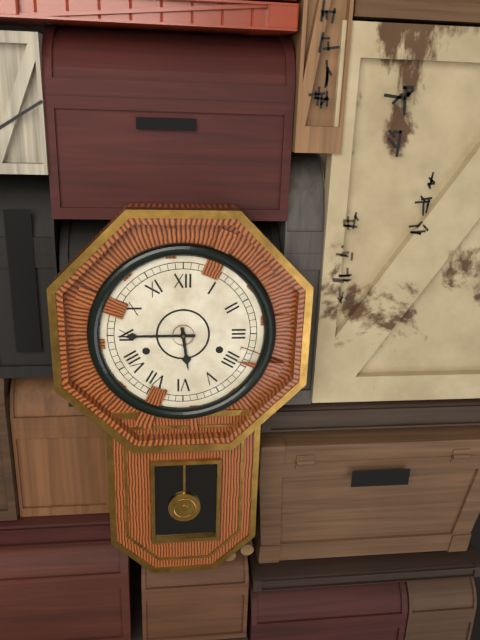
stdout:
**5:45**
